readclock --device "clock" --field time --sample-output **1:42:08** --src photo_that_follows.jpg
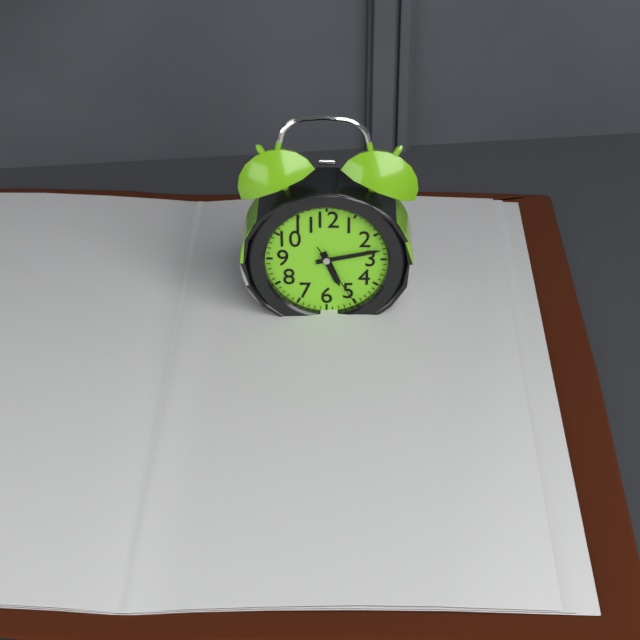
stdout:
**5:13:25**
